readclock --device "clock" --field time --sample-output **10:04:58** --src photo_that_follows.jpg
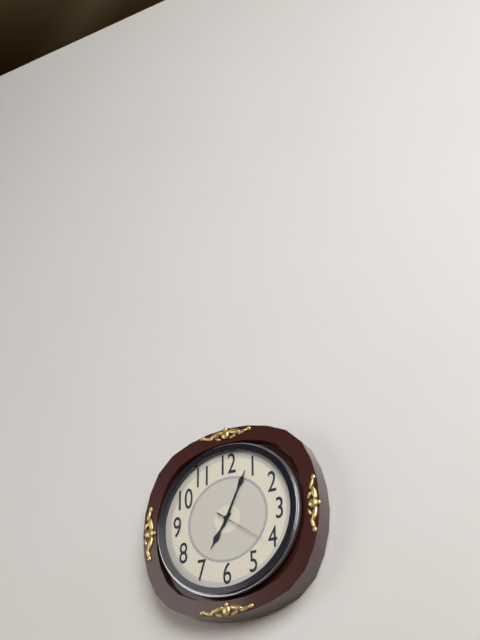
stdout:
**7:04:21**
